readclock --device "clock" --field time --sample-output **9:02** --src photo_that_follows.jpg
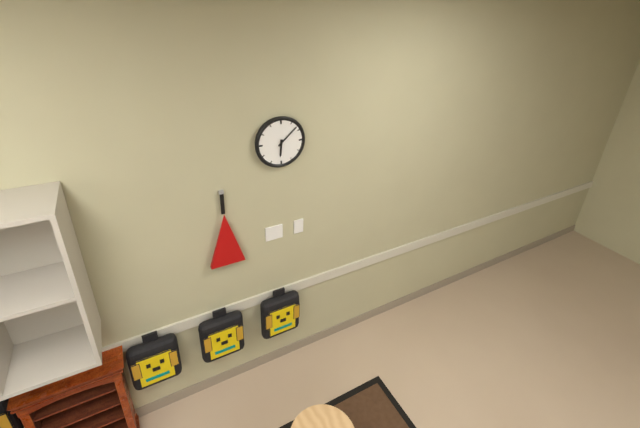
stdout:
**6:08**
